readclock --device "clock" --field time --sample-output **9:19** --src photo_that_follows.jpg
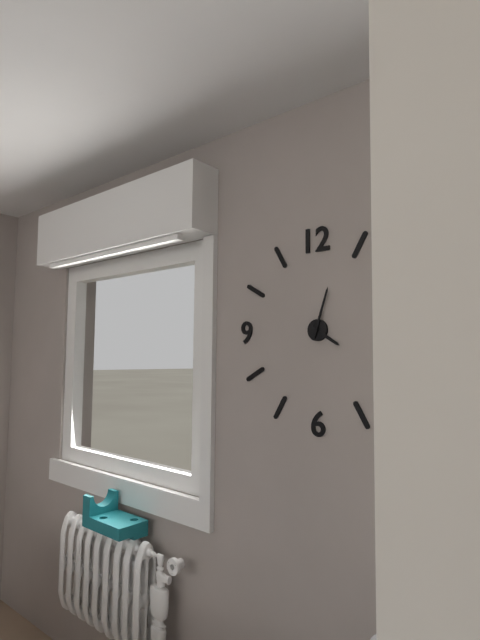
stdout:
**4:03**
